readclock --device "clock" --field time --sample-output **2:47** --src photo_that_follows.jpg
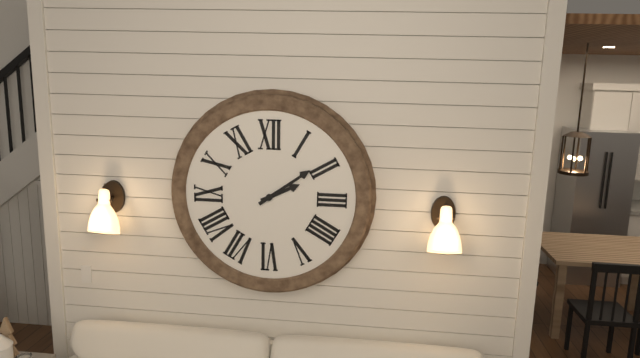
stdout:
**2:09**
